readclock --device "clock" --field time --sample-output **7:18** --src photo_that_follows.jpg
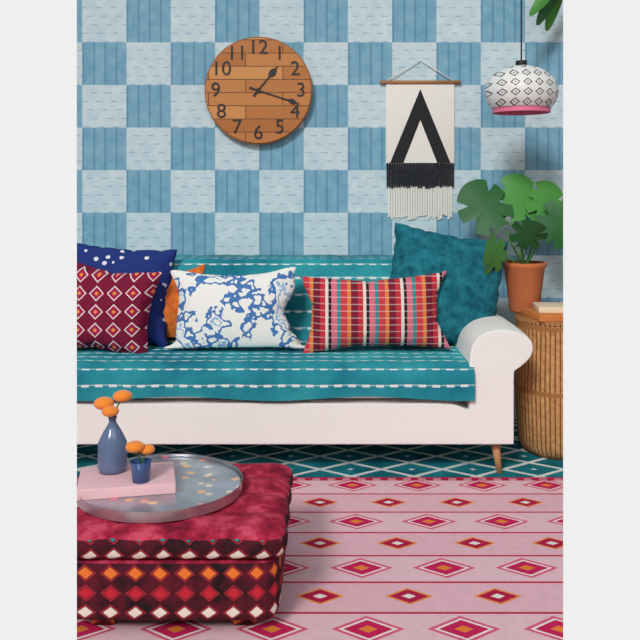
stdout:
**1:18**
